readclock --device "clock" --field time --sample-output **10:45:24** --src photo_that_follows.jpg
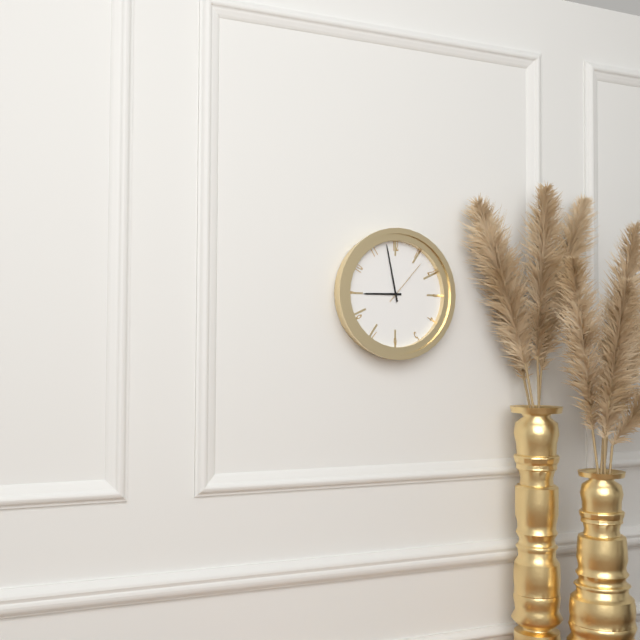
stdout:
**8:58:07**
